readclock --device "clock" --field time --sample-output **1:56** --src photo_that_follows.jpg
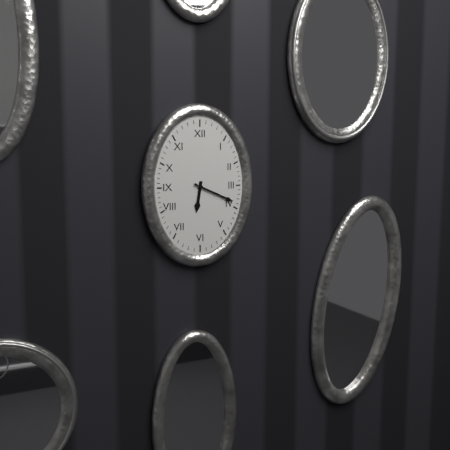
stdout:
**6:19**
